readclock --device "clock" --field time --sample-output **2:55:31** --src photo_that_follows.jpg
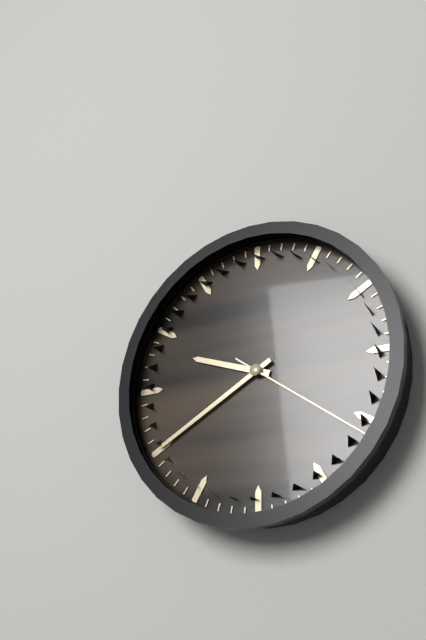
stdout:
**9:40:21**
